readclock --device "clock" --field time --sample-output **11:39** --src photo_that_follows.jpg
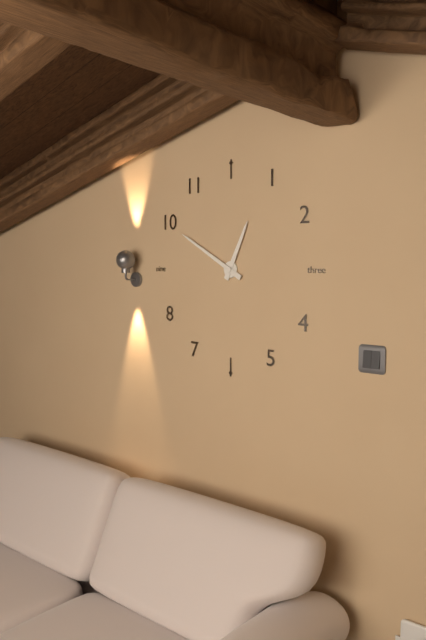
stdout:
**12:50**
